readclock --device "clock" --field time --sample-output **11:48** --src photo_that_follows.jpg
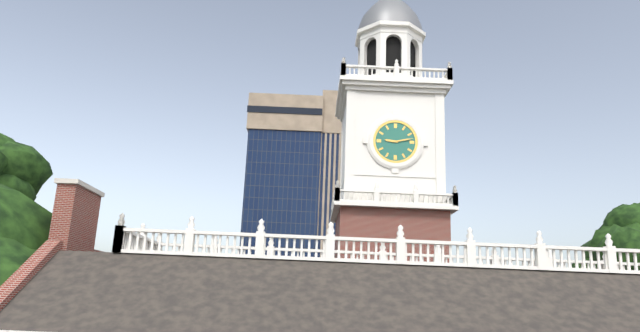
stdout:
**9:13**
